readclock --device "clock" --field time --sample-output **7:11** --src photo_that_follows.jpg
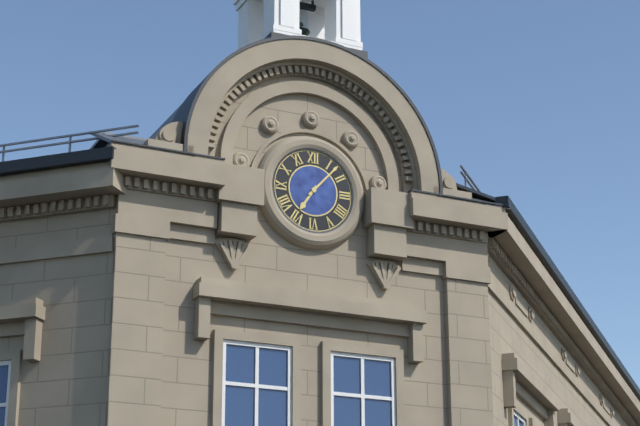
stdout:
**7:07**
